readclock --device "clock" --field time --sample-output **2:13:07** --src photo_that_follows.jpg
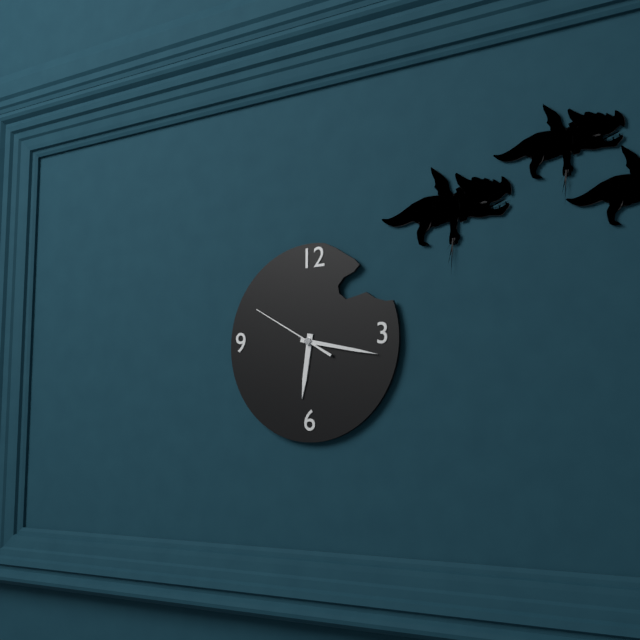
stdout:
**6:17:50**
